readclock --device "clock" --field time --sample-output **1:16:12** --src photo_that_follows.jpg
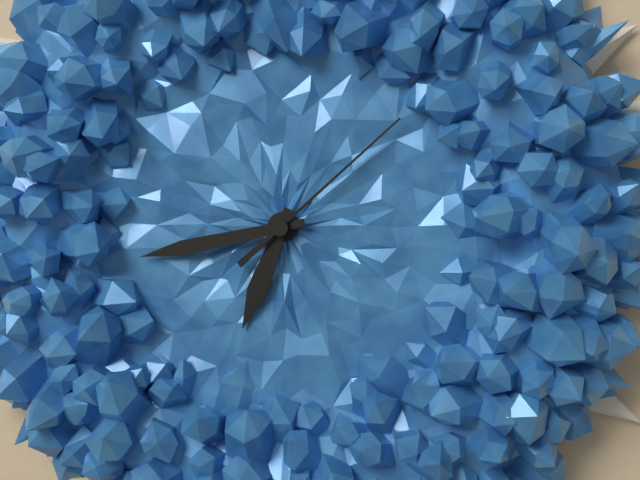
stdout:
**6:43:08**
